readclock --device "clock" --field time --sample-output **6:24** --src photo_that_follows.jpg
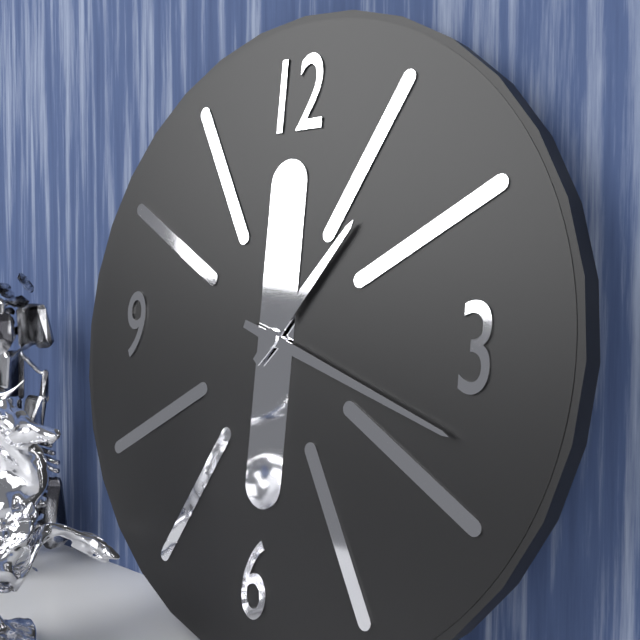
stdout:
**1:18**
